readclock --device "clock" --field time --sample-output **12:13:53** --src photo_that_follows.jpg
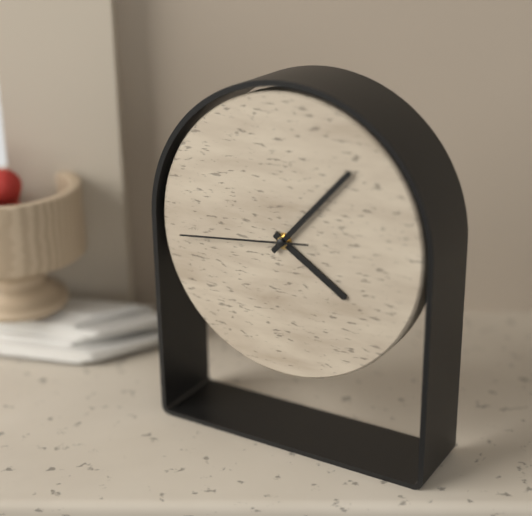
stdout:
**4:07:44**
